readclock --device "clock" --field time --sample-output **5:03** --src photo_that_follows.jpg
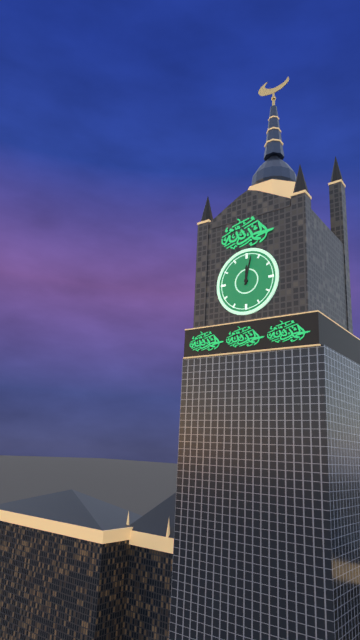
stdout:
**12:02**
